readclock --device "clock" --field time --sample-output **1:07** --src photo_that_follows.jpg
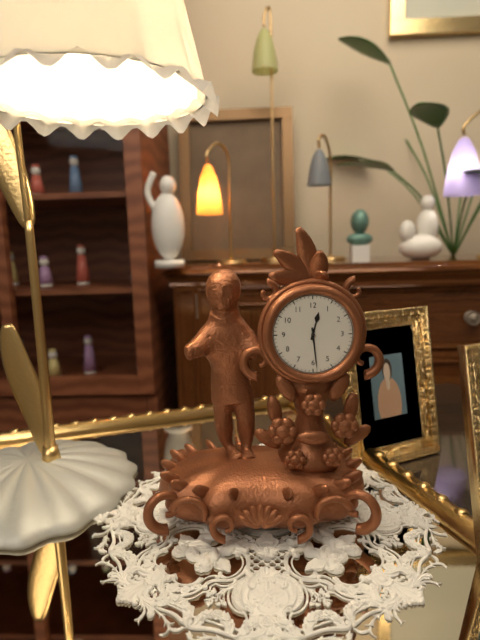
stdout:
**12:29**
